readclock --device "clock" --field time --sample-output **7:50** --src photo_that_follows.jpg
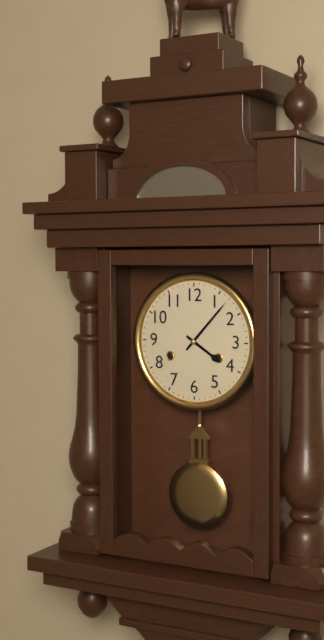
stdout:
**4:07**
